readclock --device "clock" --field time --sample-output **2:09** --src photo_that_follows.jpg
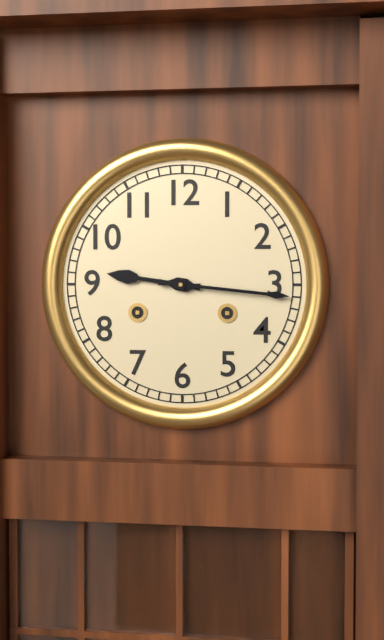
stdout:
**9:16**
